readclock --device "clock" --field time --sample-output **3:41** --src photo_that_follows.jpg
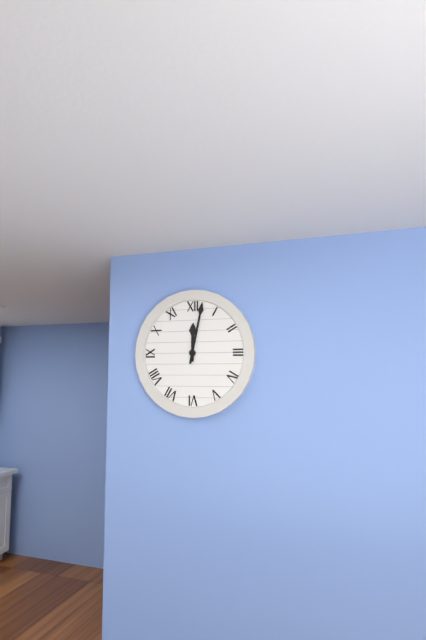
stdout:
**12:02**
